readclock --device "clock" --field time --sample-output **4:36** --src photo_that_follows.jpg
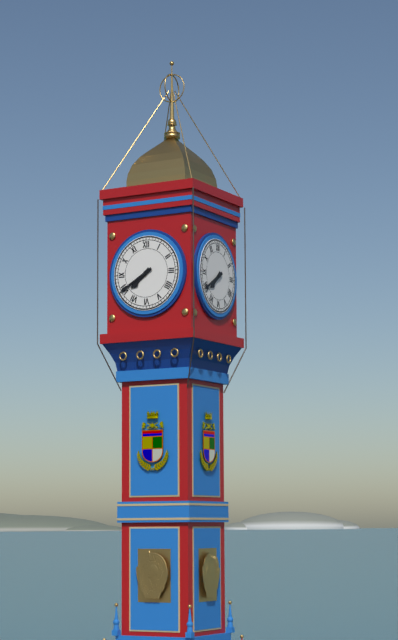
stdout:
**7:40**
